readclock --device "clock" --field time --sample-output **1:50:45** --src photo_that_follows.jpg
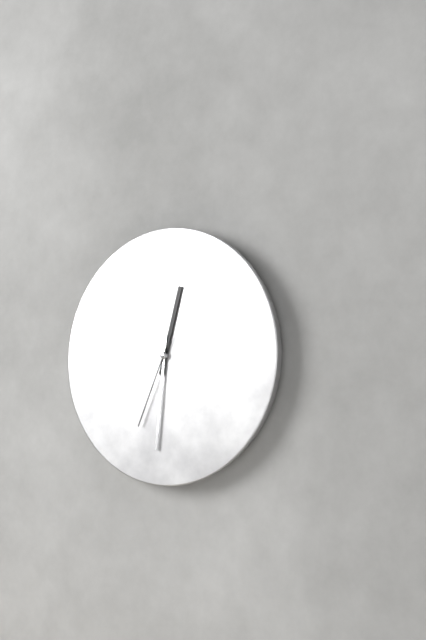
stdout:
**12:31:34**
